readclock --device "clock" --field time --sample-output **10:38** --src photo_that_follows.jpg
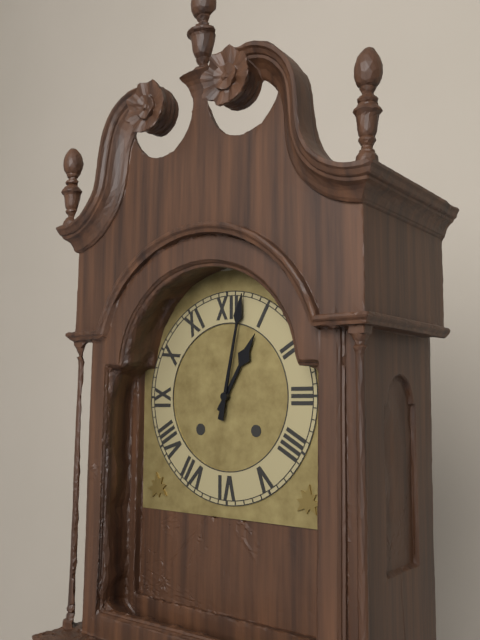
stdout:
**1:02**
